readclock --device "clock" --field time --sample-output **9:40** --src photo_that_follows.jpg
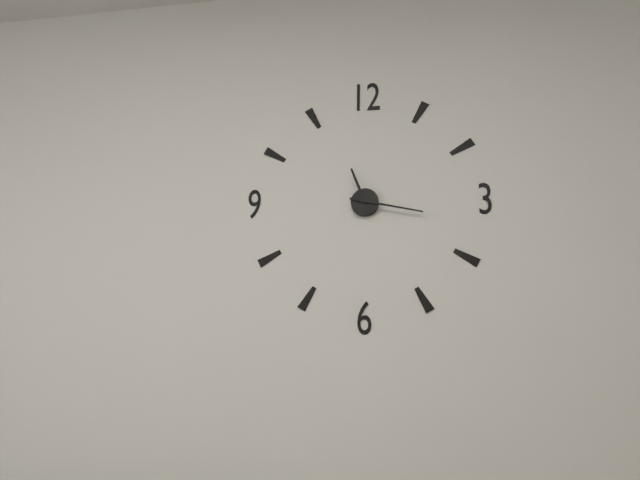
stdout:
**11:17**
